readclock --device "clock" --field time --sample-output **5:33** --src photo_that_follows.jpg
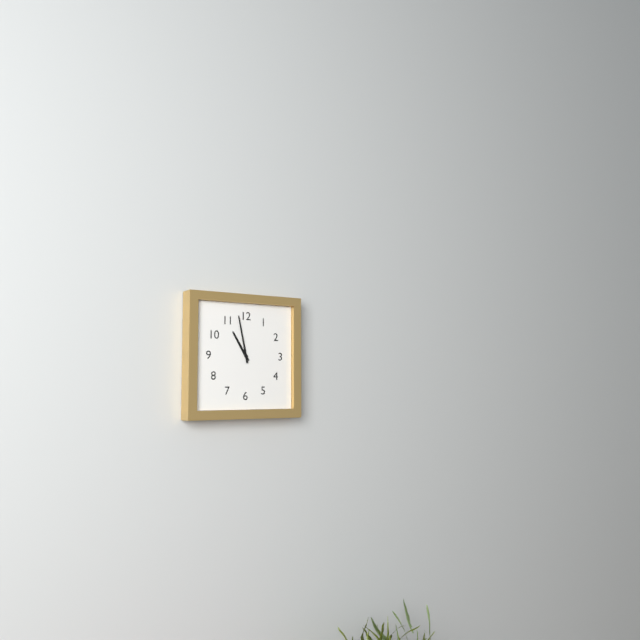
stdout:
**10:58**
